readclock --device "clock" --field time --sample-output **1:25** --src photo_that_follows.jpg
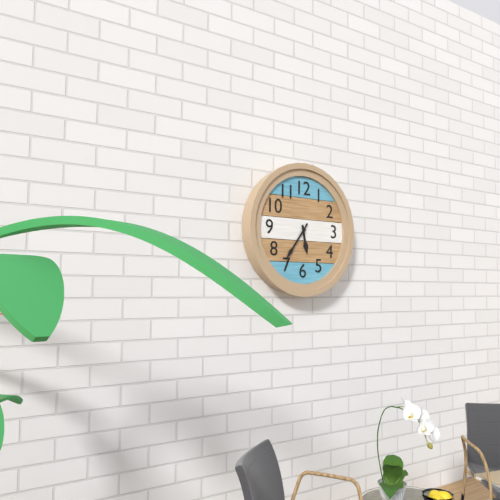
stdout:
**5:36**
